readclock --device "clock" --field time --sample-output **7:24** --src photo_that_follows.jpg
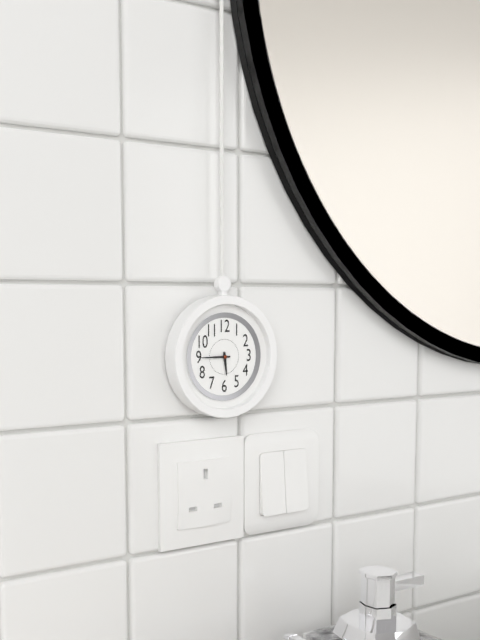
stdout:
**5:45**
